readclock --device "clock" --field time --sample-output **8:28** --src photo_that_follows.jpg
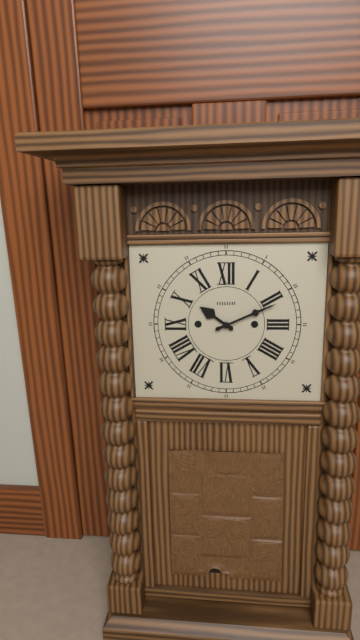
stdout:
**10:11**
